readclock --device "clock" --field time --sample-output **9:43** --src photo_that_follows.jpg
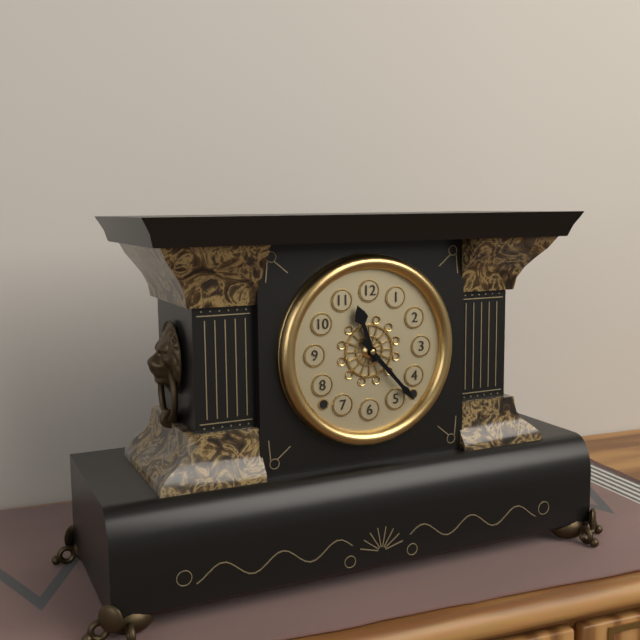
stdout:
**11:23**
